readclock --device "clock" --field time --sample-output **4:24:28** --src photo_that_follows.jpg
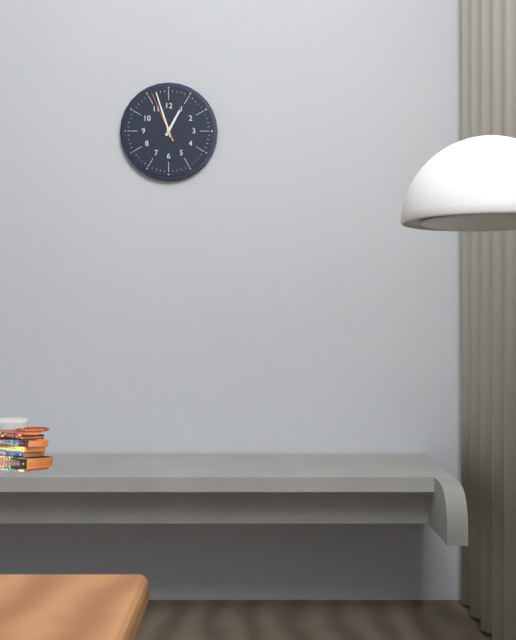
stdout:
**12:57:56**
